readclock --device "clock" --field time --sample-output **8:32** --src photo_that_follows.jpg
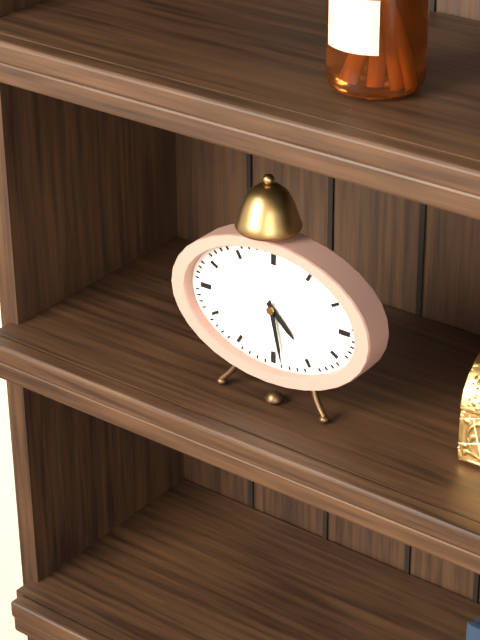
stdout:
**4:28**
